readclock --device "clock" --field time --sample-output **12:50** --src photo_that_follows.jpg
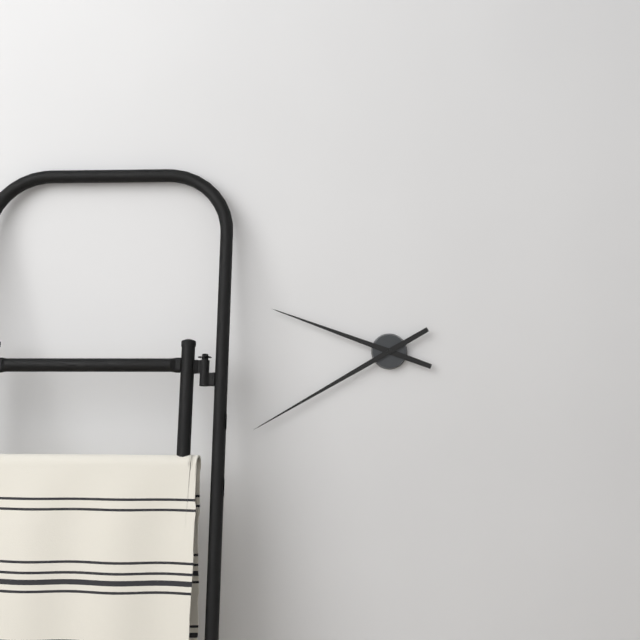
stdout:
**9:40**
